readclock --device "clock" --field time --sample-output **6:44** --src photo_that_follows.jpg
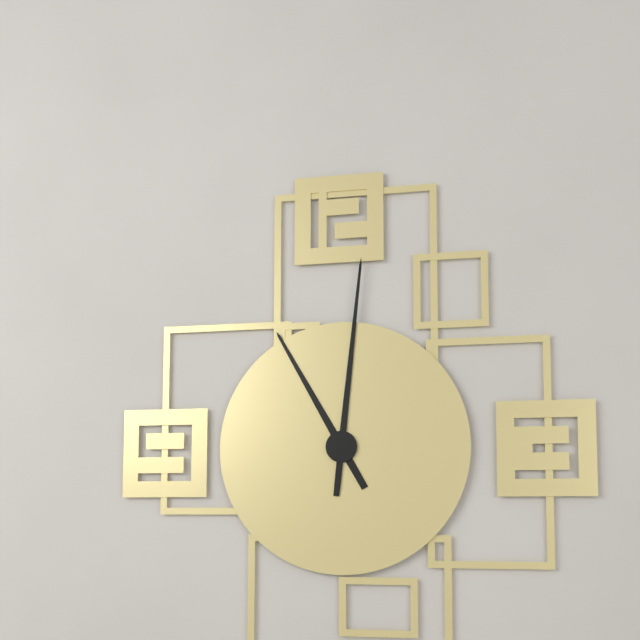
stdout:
**11:01**
